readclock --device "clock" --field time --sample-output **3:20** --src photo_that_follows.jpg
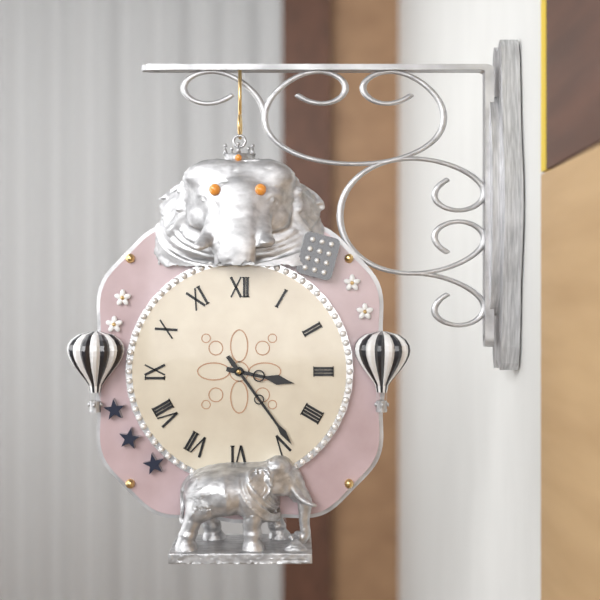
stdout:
**3:24**
